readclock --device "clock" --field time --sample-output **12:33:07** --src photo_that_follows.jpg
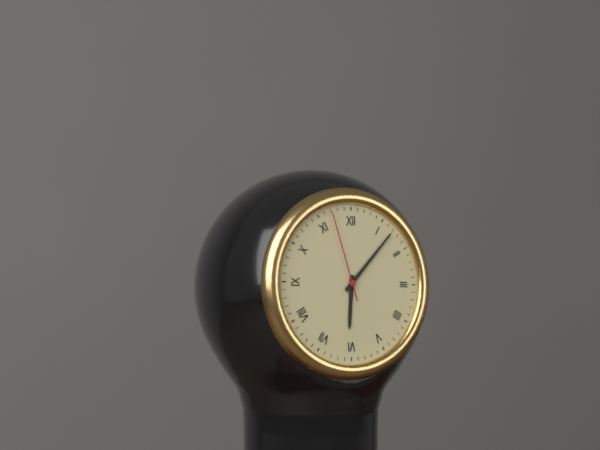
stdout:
**6:07:57**
